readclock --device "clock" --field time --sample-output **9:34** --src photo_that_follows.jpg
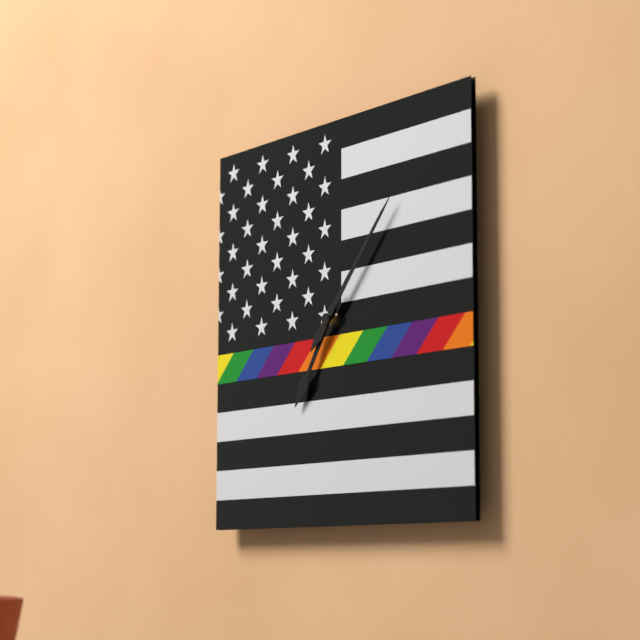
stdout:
**7:07**
